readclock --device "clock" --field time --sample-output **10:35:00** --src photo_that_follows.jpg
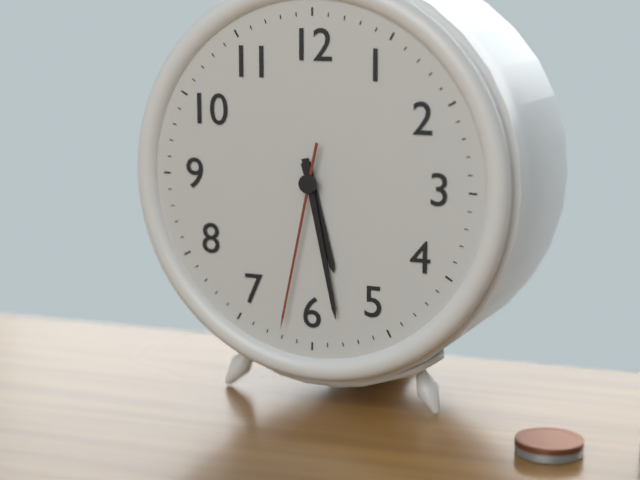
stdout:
**5:28:32**
